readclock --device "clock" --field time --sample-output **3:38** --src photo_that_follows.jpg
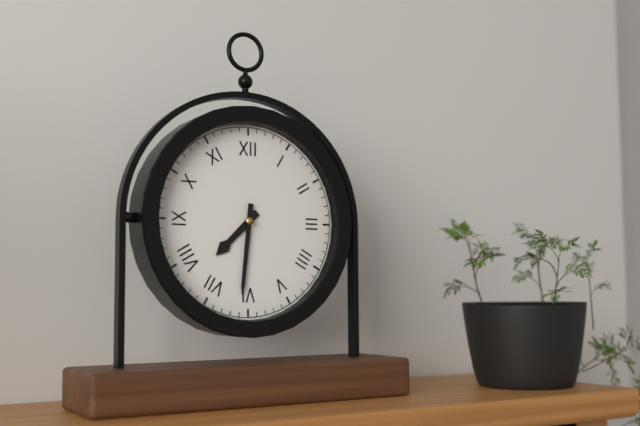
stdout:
**7:31**
